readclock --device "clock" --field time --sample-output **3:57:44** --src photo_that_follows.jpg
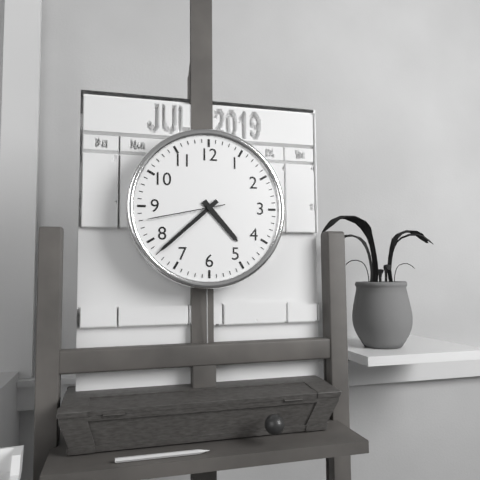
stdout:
**4:38:43**
